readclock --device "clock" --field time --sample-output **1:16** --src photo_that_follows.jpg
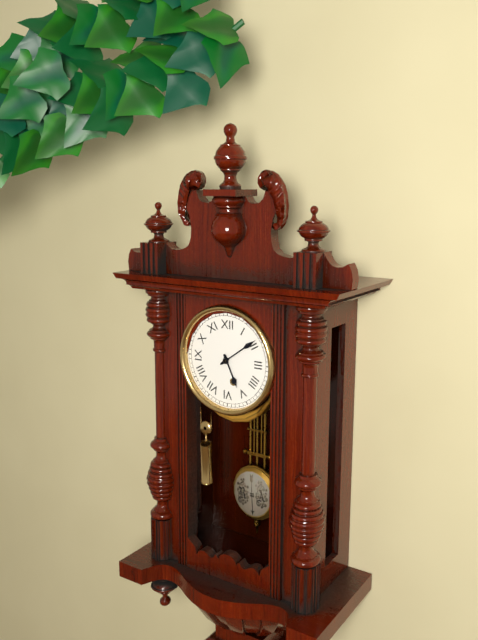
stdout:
**5:09**
